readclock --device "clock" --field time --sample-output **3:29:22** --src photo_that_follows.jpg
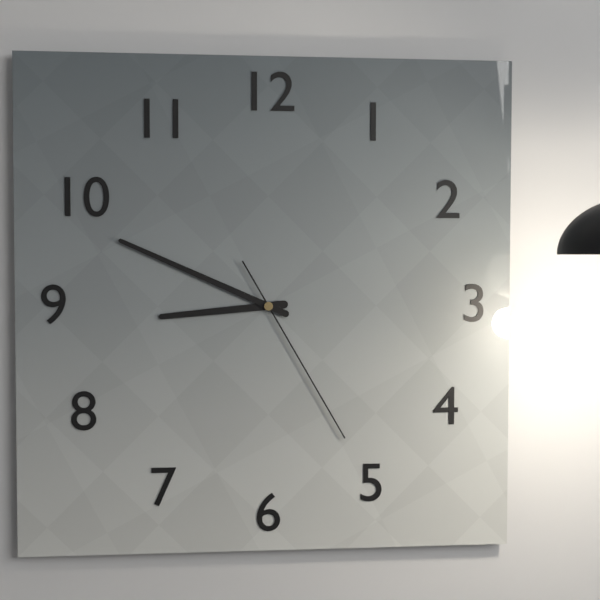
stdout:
**8:49:25**
